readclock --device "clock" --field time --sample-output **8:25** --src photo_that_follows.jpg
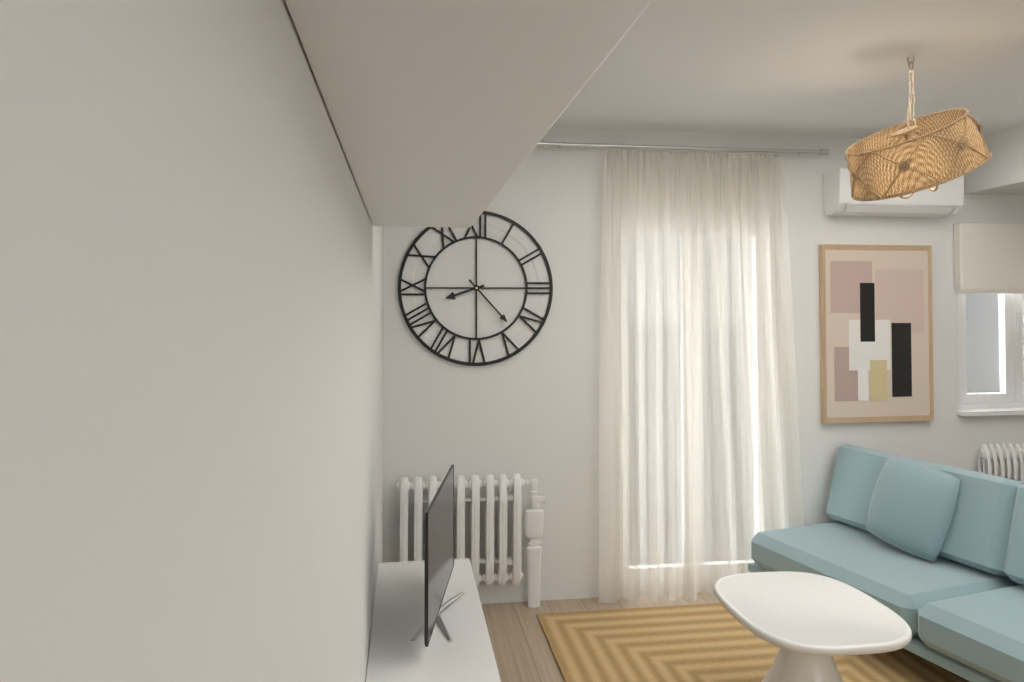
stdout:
**8:23**
